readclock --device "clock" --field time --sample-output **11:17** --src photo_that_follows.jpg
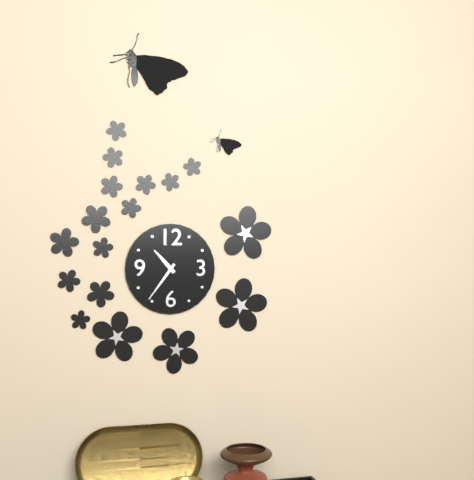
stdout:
**10:36**
